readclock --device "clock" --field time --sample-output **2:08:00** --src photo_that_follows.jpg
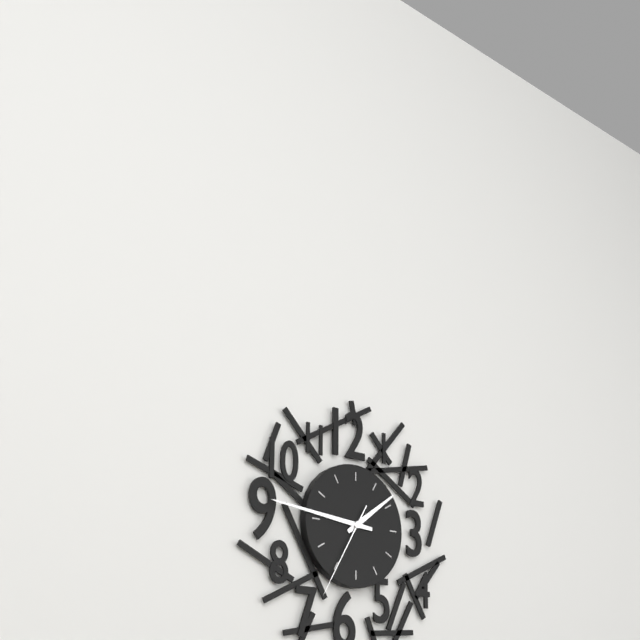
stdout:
**1:46:35**
